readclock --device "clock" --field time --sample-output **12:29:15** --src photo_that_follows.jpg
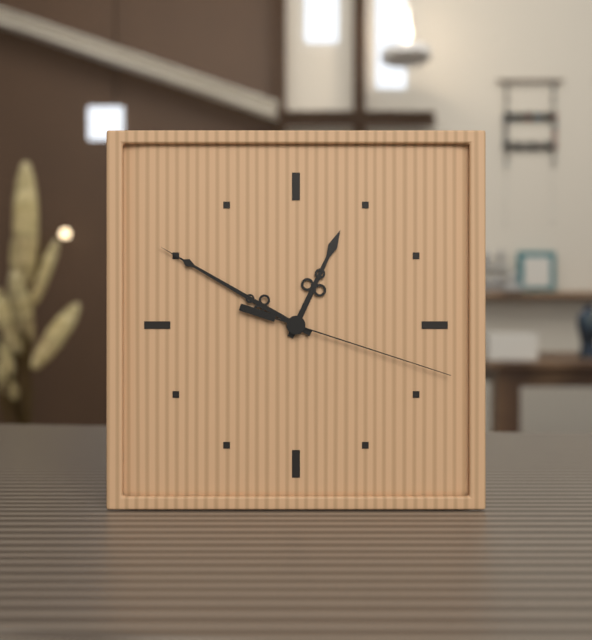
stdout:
**12:50:18**
